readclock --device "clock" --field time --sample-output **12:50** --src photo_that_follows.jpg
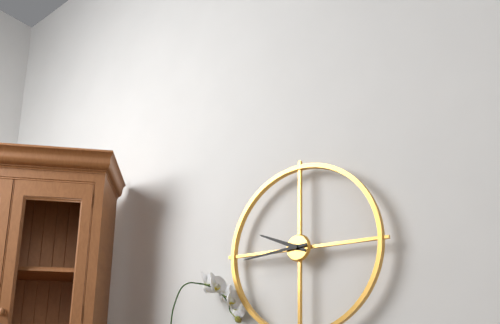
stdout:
**9:44**
